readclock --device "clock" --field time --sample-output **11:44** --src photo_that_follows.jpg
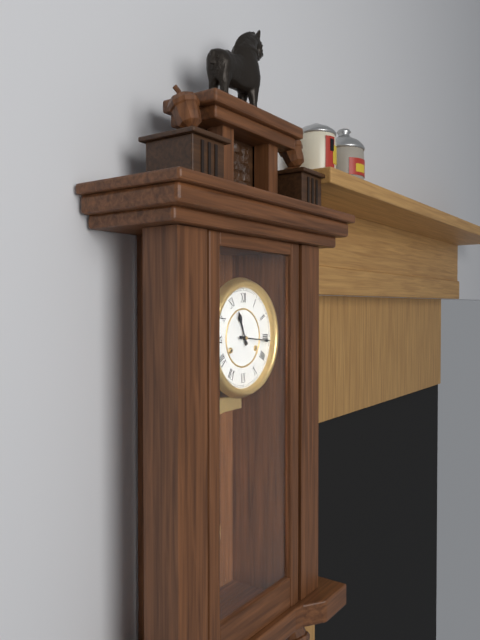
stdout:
**11:16**
